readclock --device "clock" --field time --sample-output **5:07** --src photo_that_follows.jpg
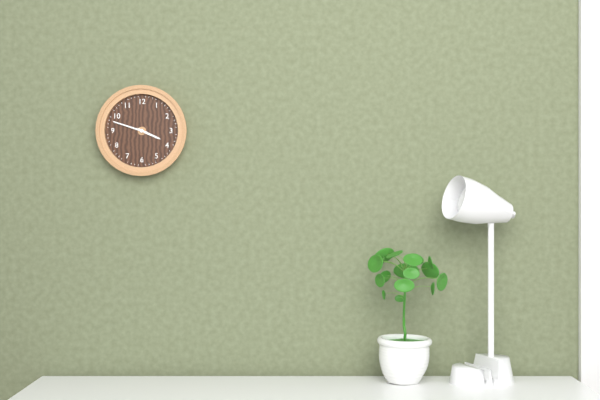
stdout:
**3:48**
